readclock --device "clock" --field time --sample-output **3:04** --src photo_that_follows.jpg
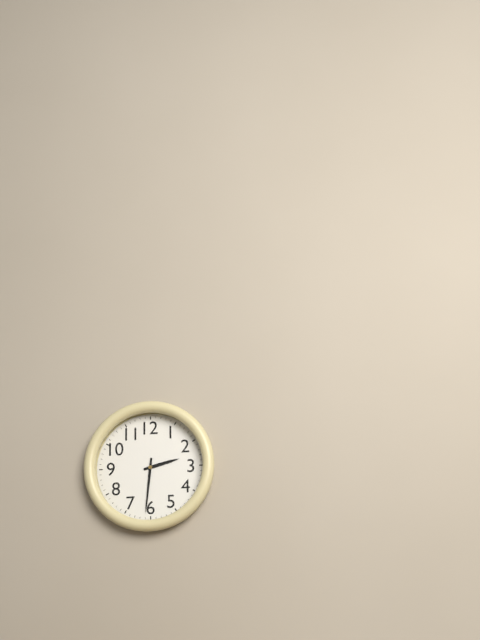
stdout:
**2:31**
